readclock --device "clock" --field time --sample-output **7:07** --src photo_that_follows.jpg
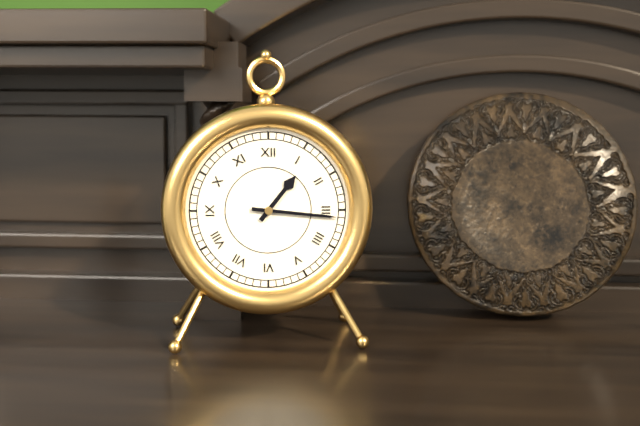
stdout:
**1:16**
